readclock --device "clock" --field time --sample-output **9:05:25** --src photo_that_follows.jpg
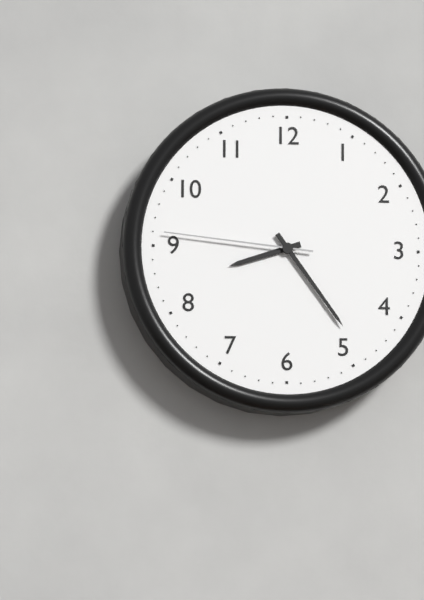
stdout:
**8:24:46**
